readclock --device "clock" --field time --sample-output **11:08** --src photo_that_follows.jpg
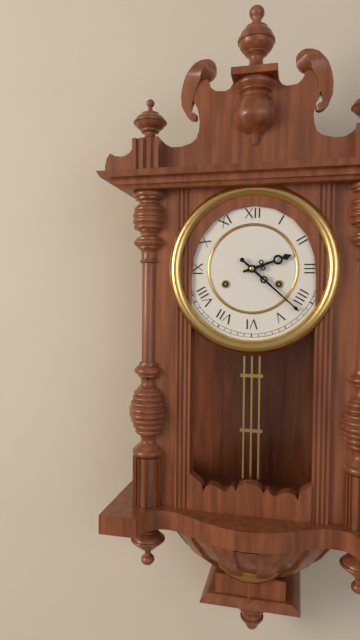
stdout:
**2:22**
